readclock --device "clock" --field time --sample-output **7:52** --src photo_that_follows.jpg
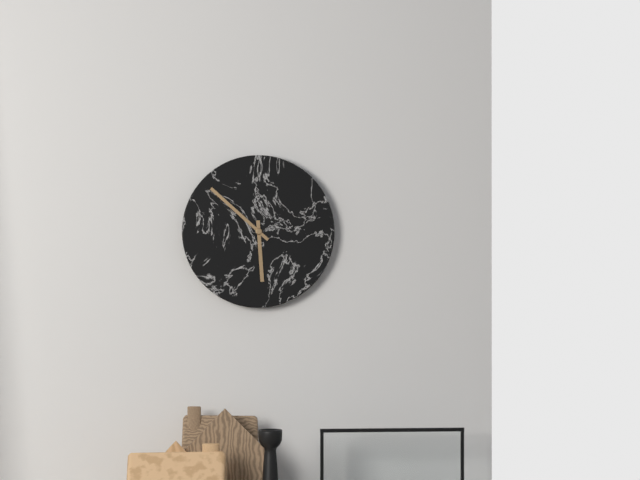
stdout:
**5:52**
